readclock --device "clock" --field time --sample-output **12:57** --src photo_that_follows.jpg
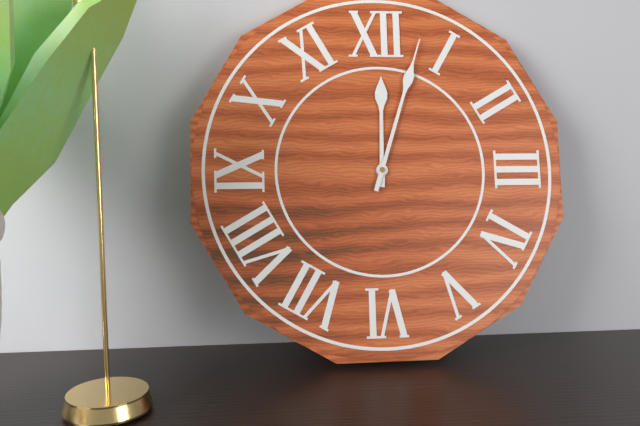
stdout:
**12:03**
